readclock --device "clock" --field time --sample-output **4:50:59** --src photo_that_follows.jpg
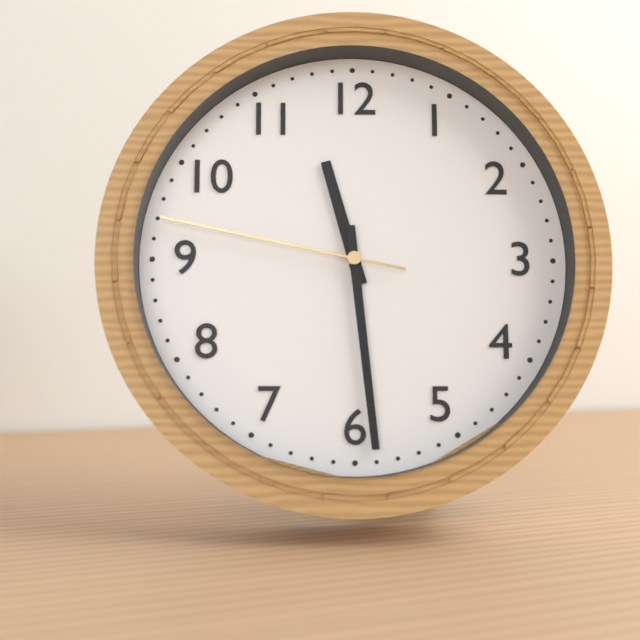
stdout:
**11:29:47**
